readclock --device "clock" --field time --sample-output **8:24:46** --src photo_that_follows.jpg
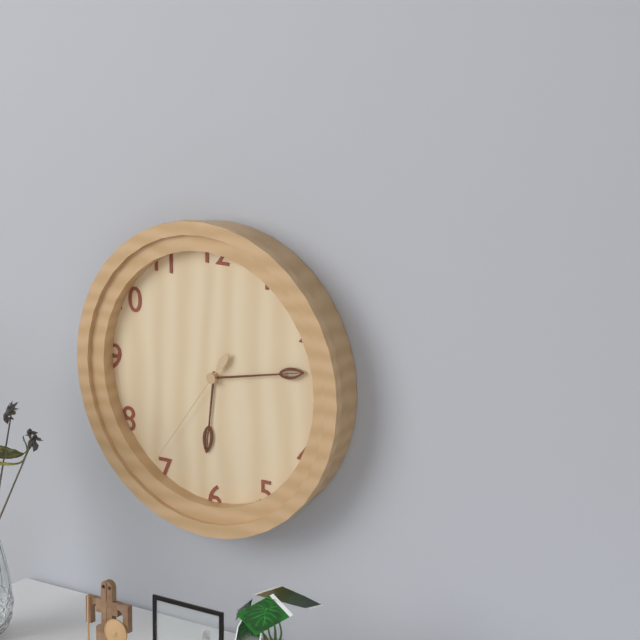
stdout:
**6:13:36**
